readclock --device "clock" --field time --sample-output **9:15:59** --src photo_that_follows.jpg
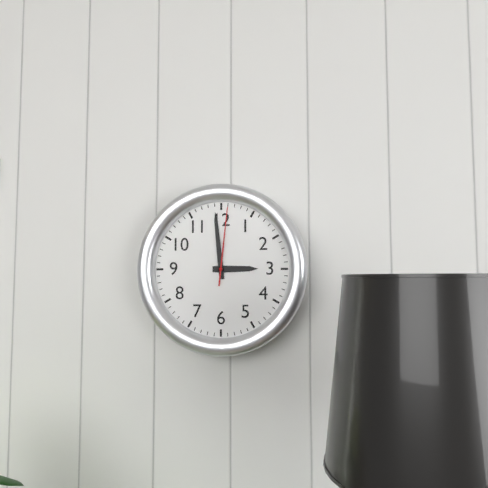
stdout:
**2:59:01**
